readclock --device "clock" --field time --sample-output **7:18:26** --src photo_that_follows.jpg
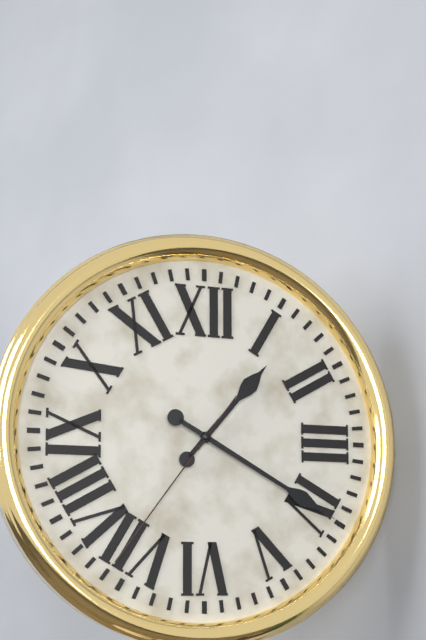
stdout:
**1:20:36**
